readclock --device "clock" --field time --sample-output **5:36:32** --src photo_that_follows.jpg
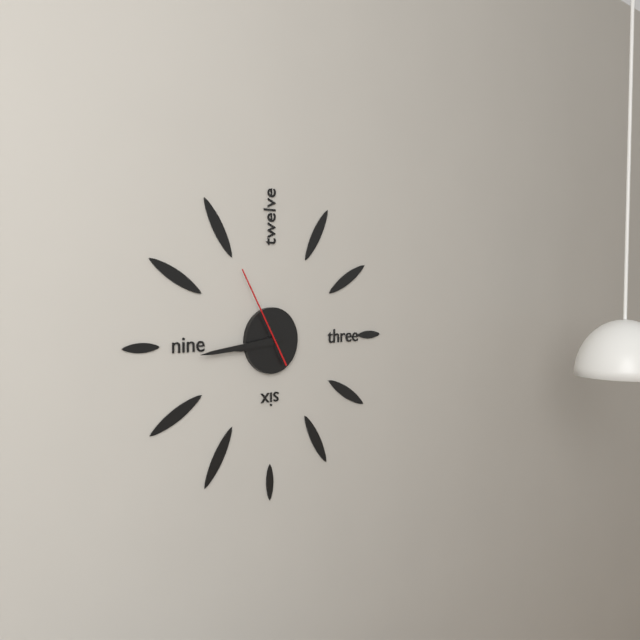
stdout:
**8:44:55**
